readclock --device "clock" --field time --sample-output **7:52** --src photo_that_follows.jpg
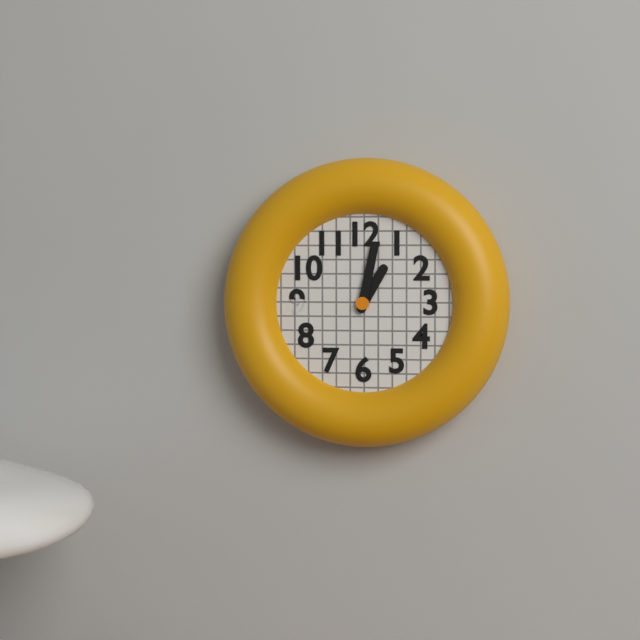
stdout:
**1:02**
